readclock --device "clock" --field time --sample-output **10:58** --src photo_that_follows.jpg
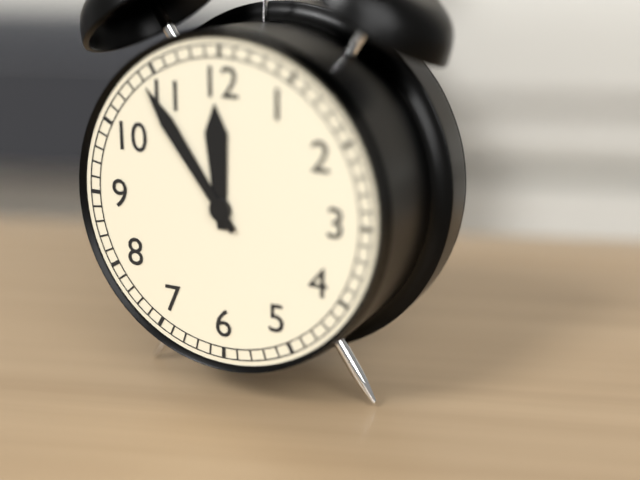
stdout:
**11:54**
